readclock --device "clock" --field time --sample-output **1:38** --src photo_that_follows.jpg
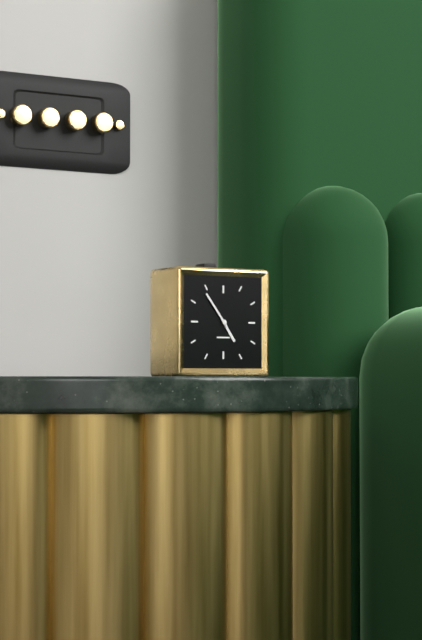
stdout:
**4:54**
